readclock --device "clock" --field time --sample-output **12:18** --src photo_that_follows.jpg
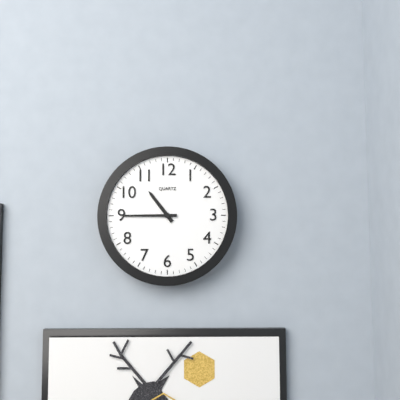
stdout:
**10:45**
